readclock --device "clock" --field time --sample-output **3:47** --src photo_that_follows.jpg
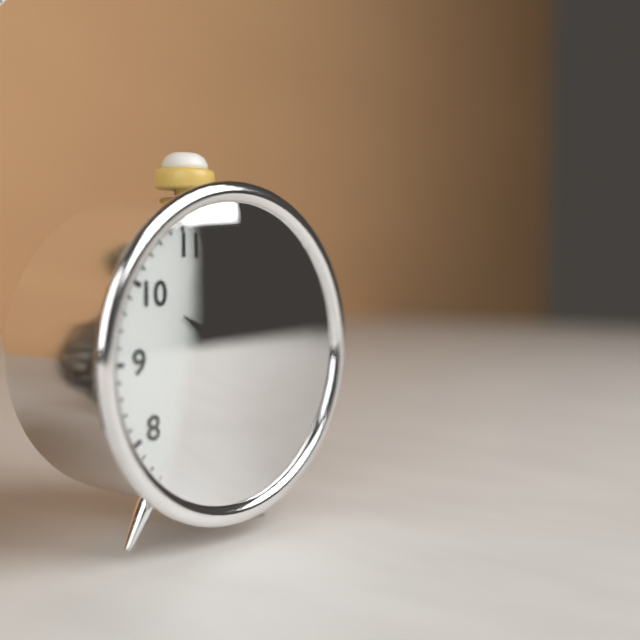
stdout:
**10:00**
